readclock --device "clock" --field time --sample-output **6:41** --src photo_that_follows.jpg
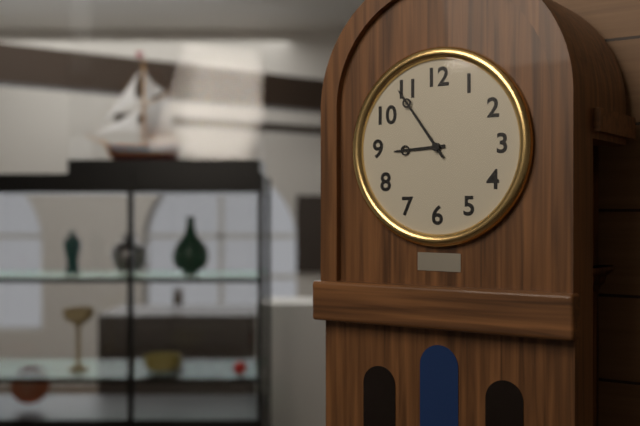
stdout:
**8:54**
